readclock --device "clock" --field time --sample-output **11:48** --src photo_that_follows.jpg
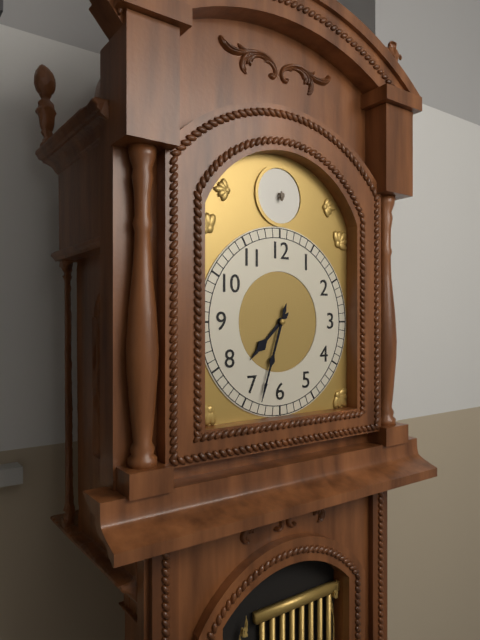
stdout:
**7:33**
